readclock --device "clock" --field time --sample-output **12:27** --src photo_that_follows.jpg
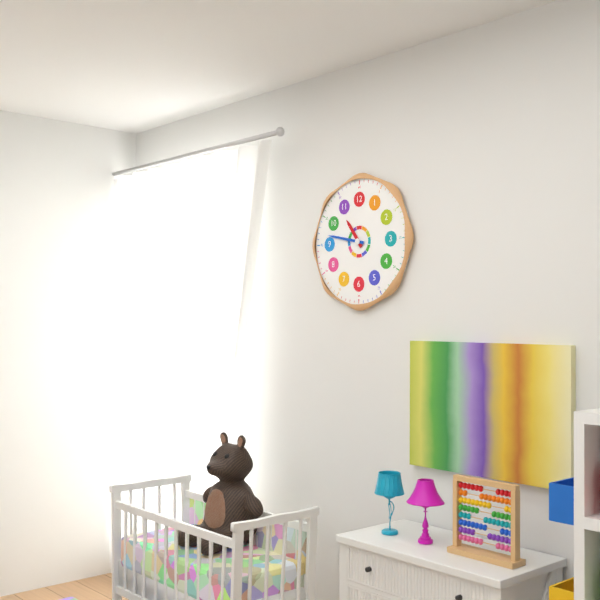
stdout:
**10:47**
